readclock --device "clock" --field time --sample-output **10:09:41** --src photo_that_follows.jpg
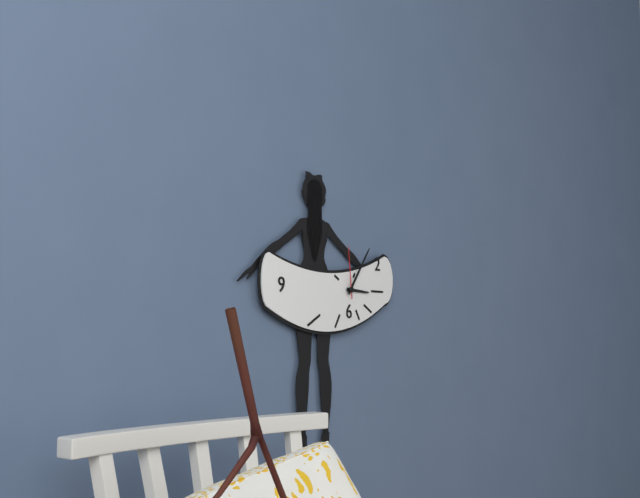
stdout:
**3:06:59**
